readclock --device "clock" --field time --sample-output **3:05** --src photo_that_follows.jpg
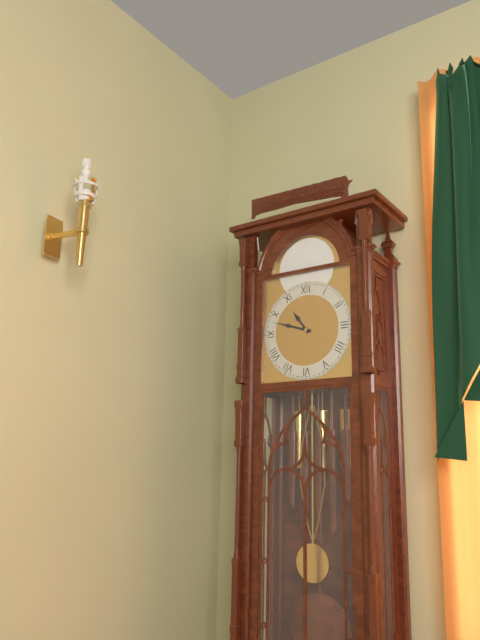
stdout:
**10:48**
